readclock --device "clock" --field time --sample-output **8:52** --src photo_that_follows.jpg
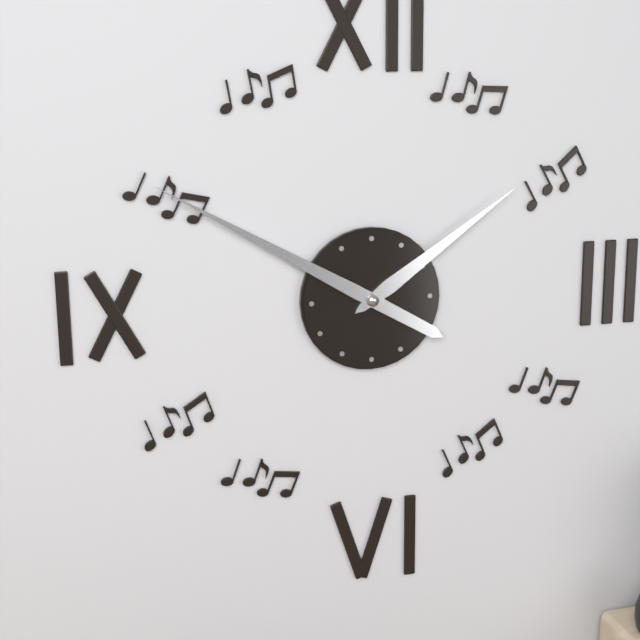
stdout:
**1:50**
